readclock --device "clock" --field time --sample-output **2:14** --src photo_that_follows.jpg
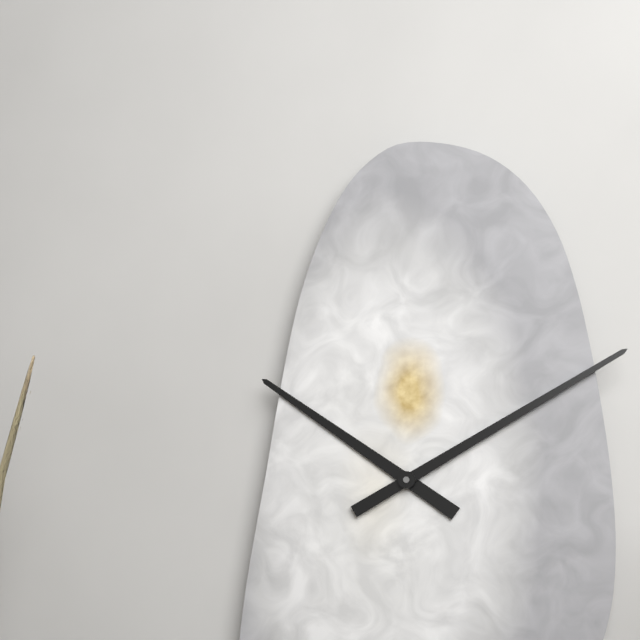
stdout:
**10:10**
